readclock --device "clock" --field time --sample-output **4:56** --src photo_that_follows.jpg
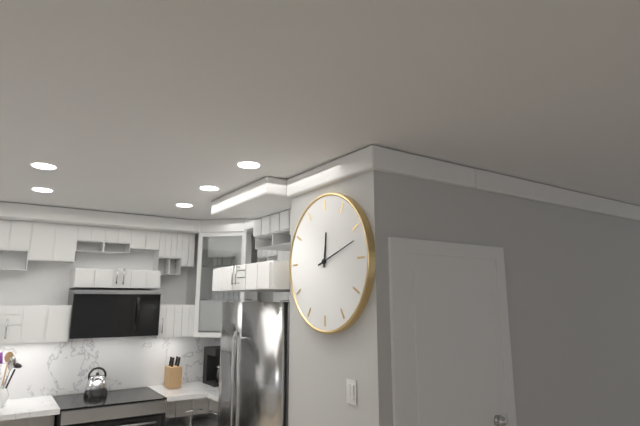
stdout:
**12:12**
